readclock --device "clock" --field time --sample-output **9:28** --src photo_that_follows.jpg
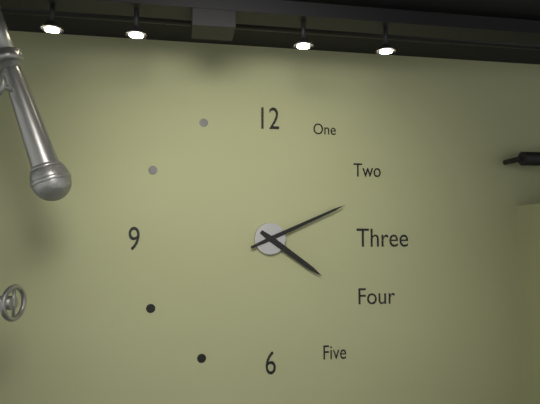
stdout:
**4:11**
